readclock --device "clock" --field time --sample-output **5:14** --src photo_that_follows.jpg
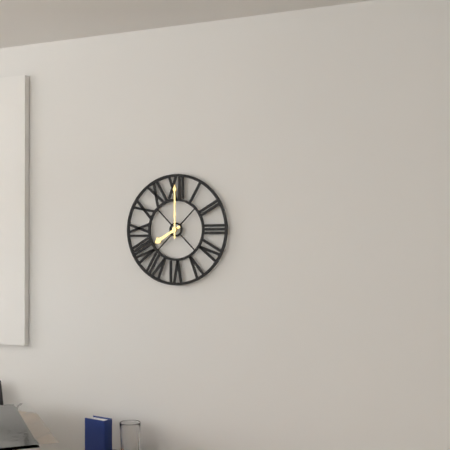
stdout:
**8:00**
